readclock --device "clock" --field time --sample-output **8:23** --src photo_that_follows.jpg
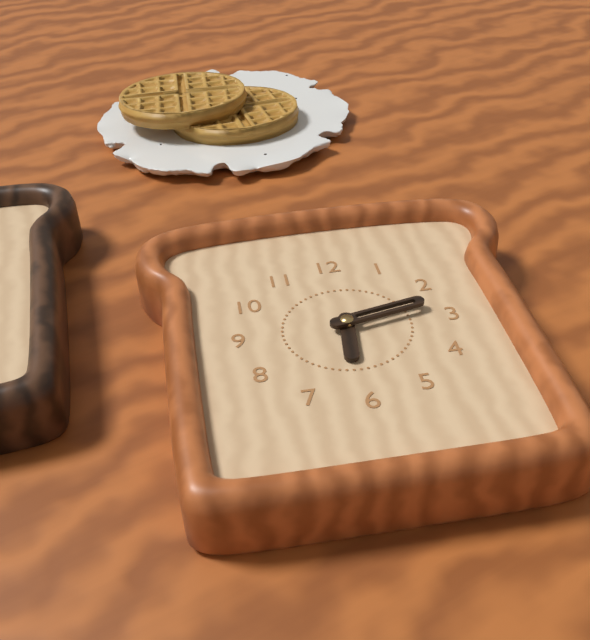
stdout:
**6:13**
